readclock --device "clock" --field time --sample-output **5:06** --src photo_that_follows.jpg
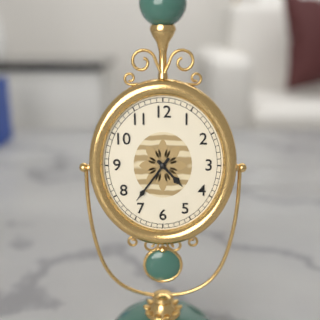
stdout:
**4:36**
